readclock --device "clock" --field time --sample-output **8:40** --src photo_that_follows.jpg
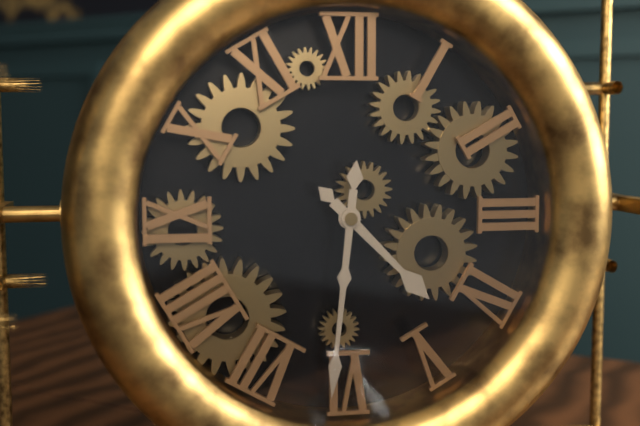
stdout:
**4:31**
